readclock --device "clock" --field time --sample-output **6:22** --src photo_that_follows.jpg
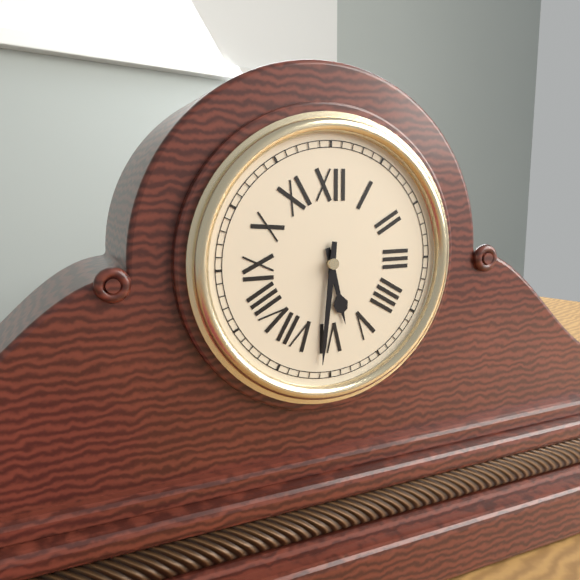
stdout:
**5:31**
